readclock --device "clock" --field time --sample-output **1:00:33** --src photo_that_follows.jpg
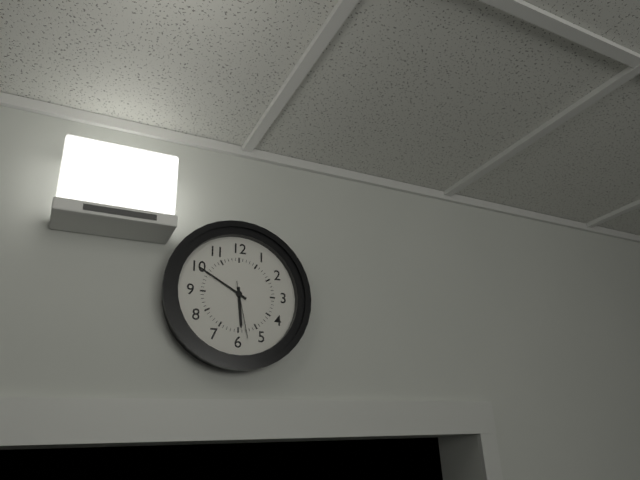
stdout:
**5:50:28**
